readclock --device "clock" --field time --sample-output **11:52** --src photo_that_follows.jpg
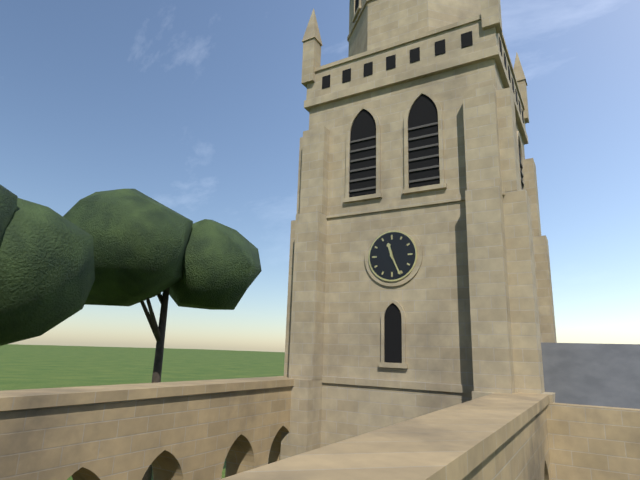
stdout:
**11:26**
